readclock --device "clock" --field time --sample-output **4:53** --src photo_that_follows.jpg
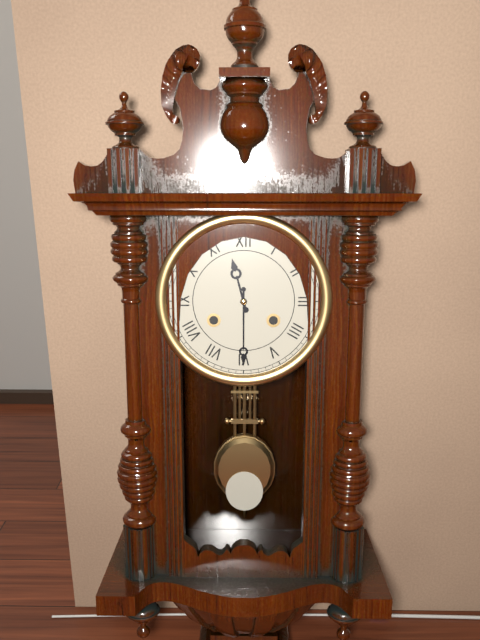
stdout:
**11:30**
